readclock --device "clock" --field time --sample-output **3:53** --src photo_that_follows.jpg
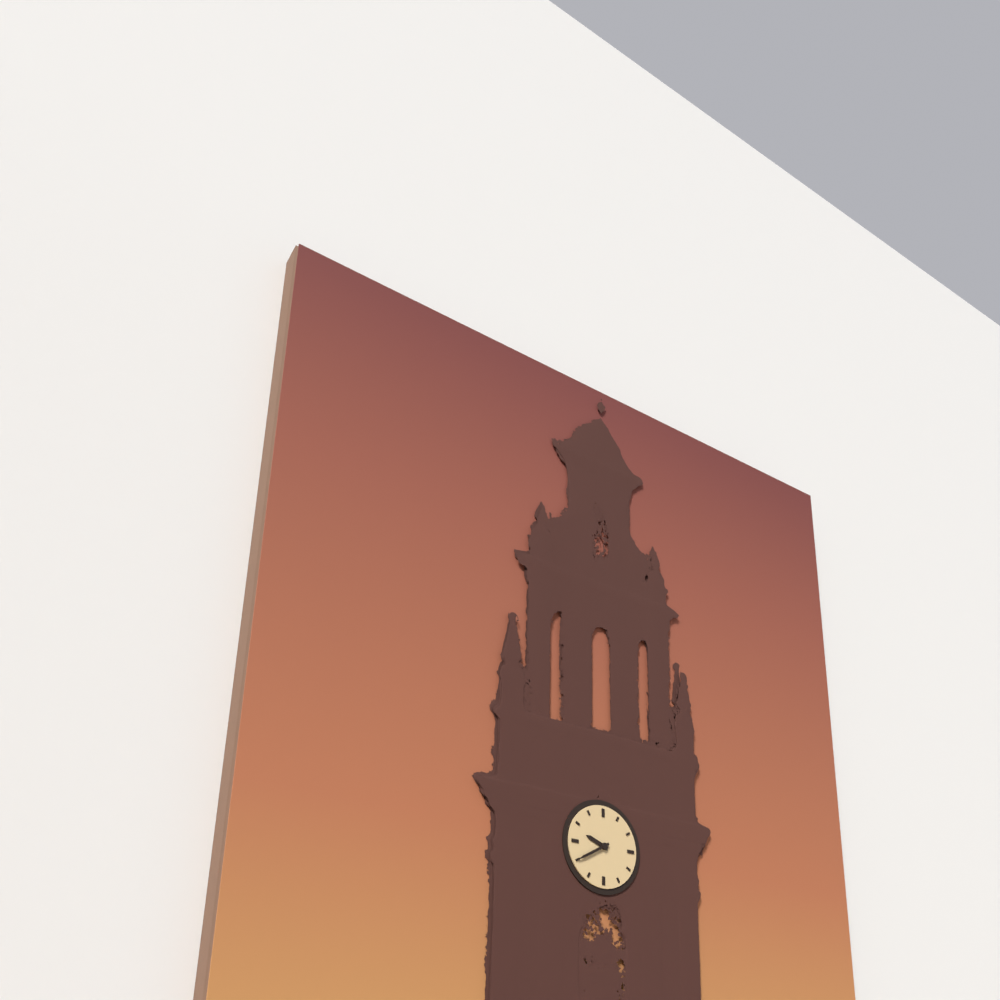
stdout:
**9:40**
